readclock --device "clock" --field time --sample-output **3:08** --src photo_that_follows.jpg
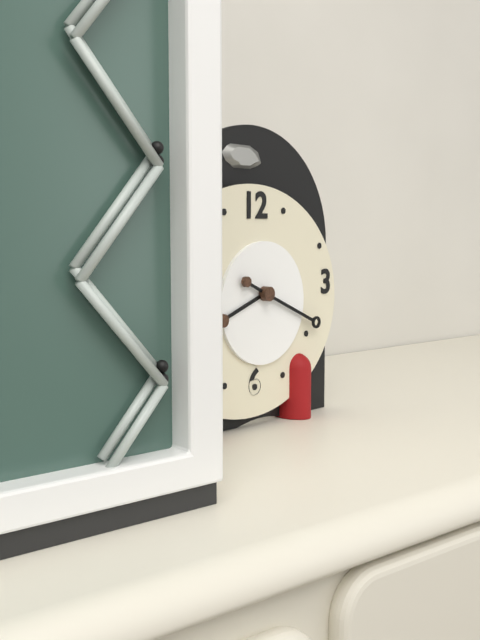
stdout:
**8:19**
